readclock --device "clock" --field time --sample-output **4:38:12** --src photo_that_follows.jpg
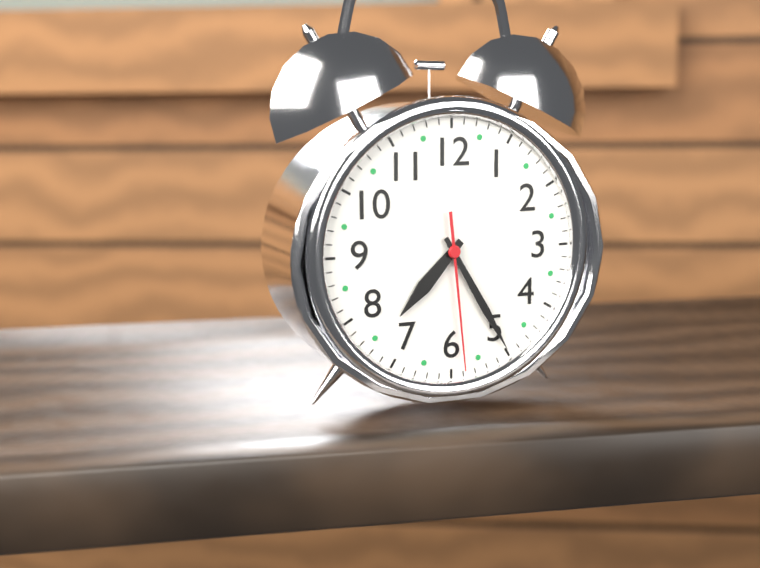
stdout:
**7:25:29**
